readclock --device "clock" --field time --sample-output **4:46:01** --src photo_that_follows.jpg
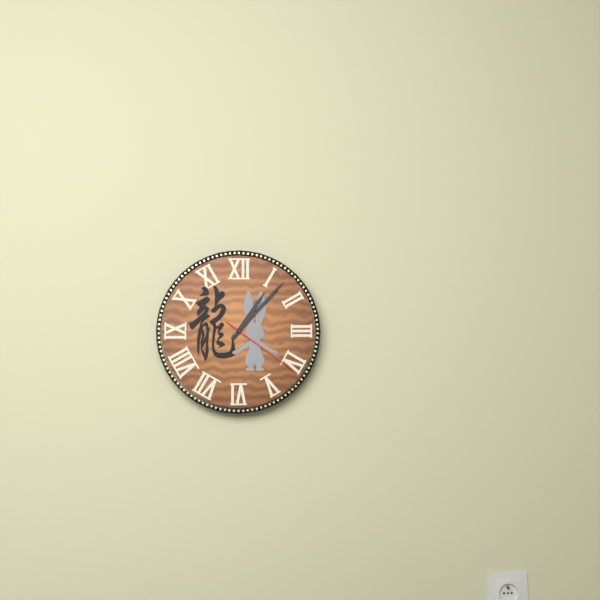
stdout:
**1:07:21**
